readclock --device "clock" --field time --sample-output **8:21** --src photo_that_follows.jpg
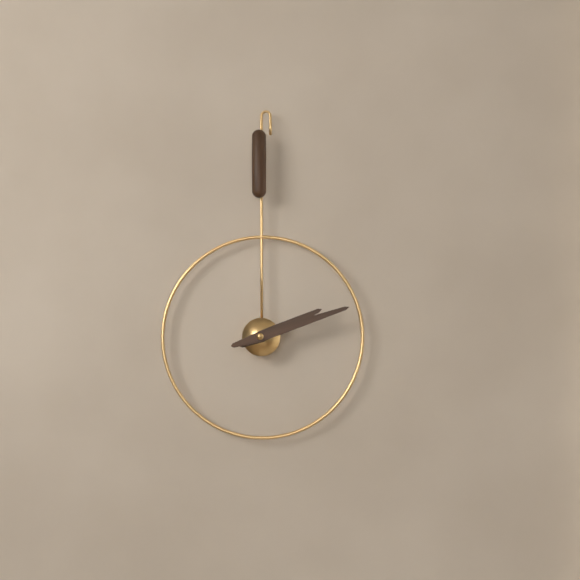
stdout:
**2:12**
